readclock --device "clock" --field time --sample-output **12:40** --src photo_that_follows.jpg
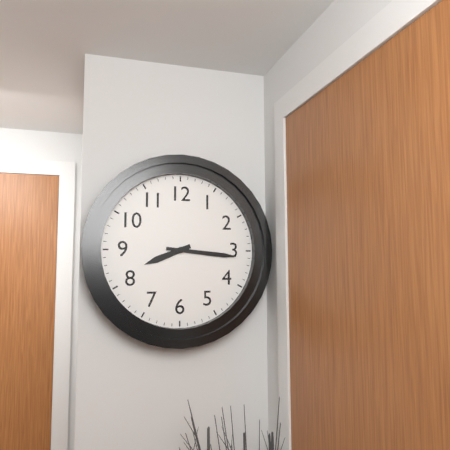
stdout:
**8:16**
